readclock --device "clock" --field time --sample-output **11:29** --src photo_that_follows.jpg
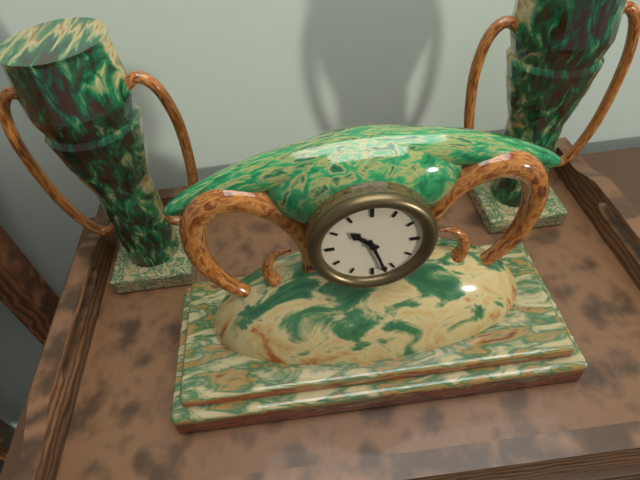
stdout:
**10:27**
